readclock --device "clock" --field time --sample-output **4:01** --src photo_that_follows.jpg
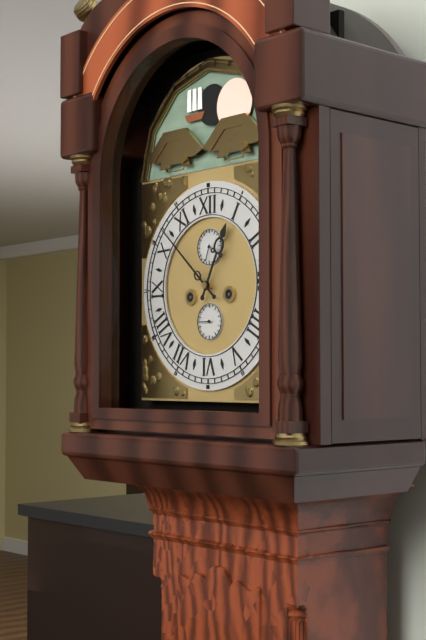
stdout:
**12:52**
